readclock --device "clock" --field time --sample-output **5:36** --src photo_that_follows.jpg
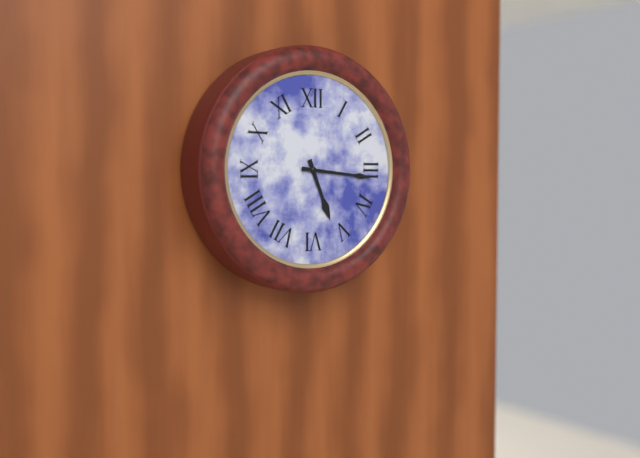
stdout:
**5:16**
